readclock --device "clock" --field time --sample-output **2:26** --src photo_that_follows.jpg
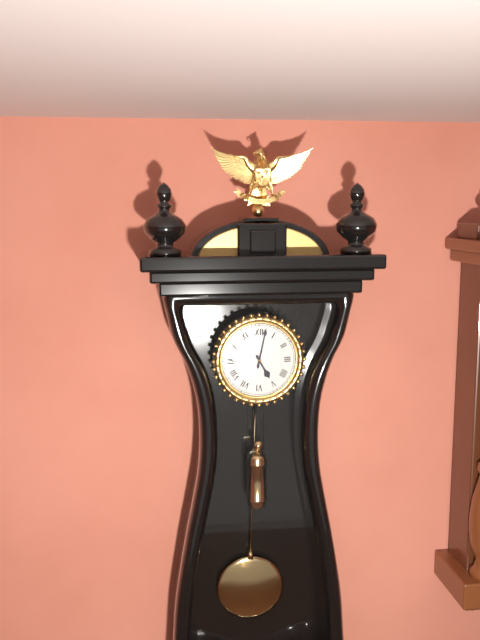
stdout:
**5:02**
